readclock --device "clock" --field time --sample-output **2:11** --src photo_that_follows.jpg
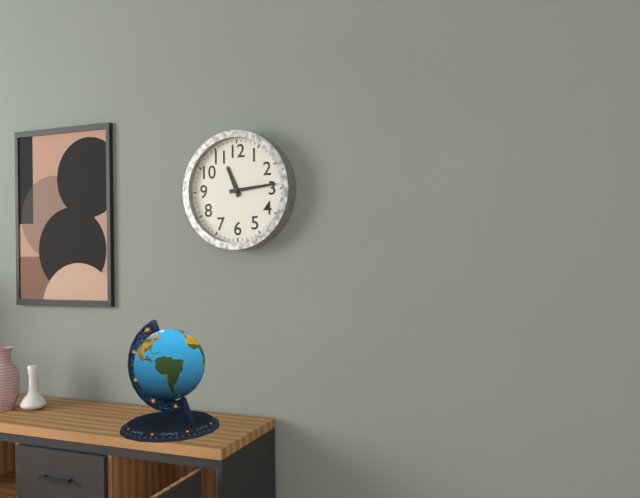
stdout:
**11:14**
